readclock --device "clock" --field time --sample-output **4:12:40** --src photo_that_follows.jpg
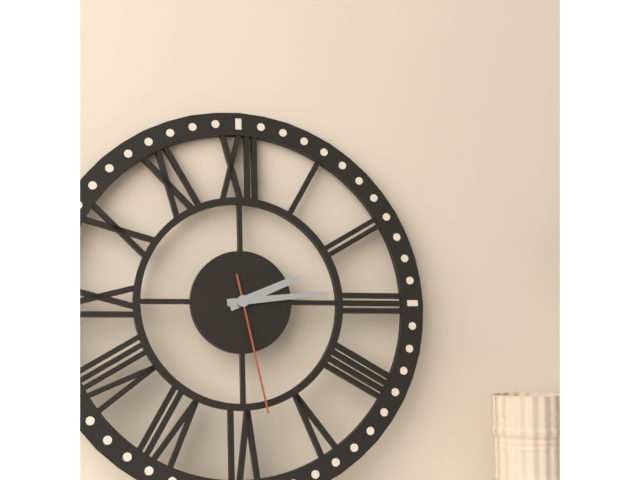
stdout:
**2:14:28**
